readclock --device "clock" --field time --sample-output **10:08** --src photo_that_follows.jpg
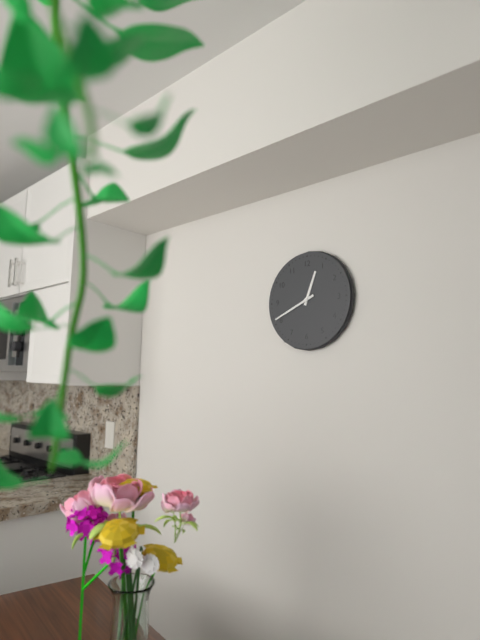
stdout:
**12:41**
